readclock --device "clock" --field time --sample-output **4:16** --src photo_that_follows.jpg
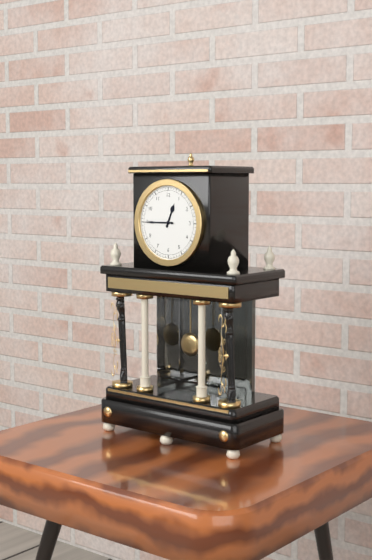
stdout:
**12:45**
